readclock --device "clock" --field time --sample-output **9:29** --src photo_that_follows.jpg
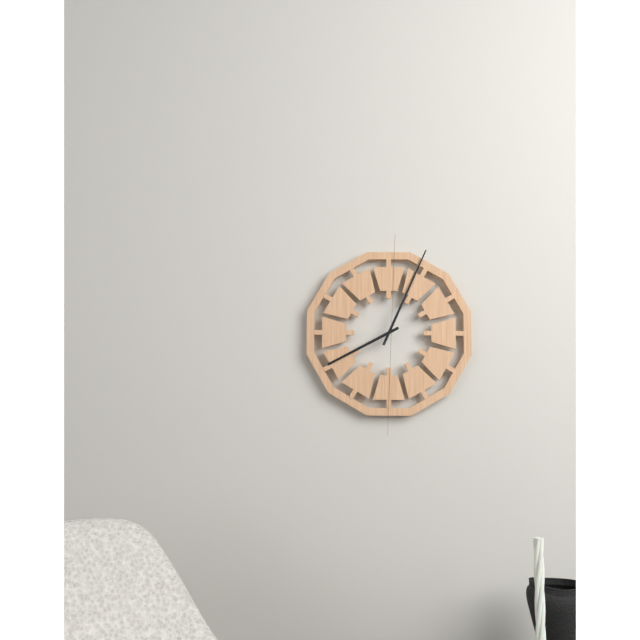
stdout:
**8:04**
